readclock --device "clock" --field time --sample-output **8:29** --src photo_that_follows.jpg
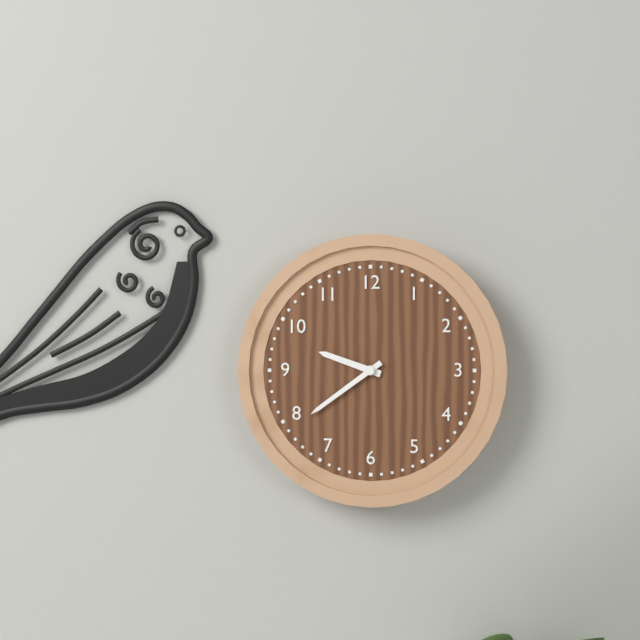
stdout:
**9:39**
